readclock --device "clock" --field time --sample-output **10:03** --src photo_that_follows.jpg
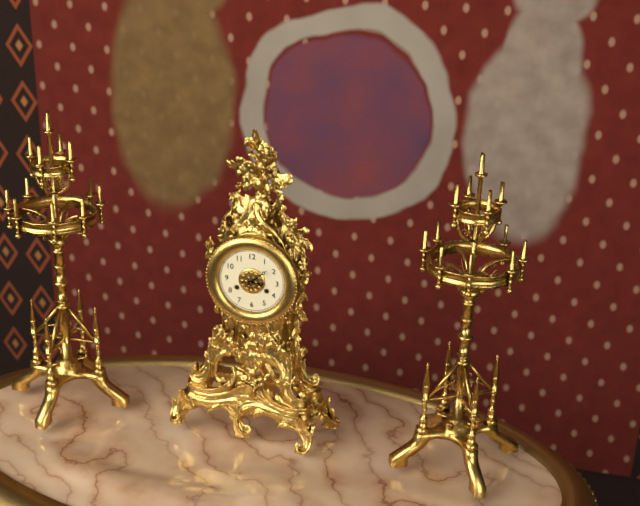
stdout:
**3:08**
